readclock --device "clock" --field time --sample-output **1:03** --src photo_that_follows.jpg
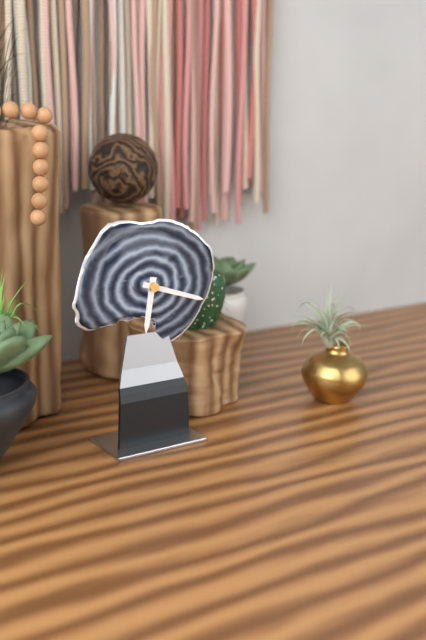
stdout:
**6:18**
